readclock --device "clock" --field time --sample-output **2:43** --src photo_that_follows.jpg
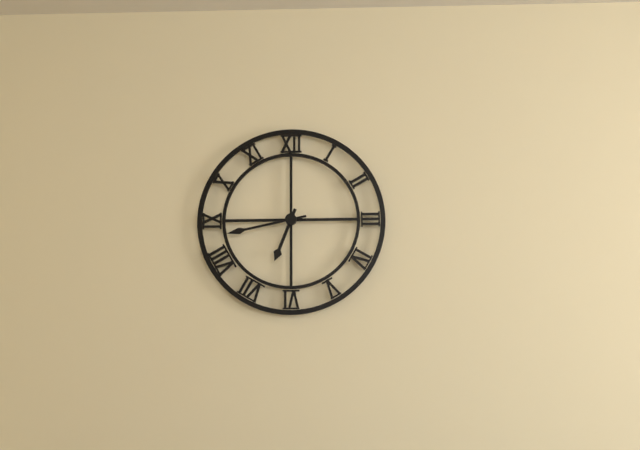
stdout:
**6:43**
